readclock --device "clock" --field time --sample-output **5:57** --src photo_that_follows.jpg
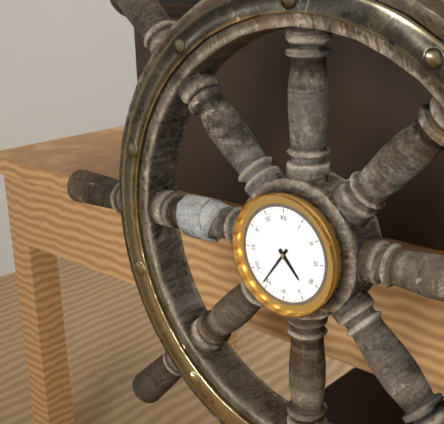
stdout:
**4:36**
